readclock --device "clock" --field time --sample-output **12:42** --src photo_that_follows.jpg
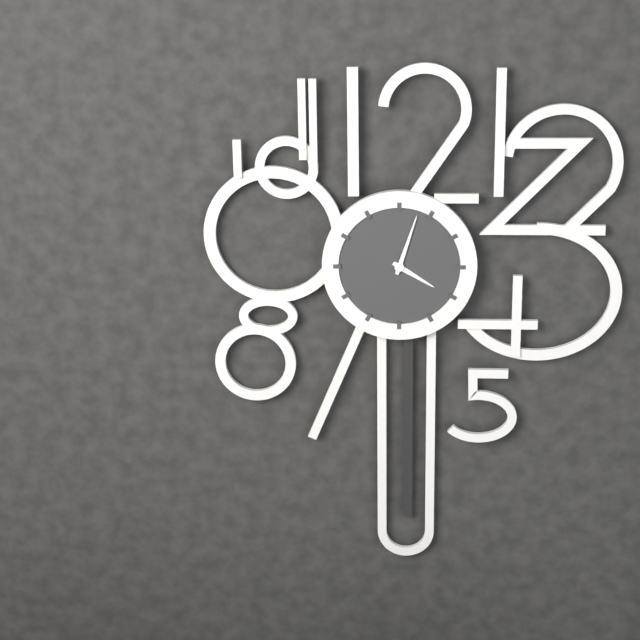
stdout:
**4:03**
